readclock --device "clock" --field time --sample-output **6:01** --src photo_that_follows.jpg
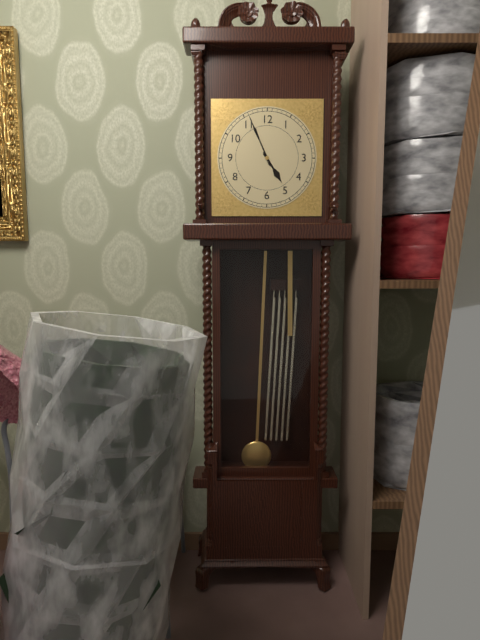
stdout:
**4:56**
